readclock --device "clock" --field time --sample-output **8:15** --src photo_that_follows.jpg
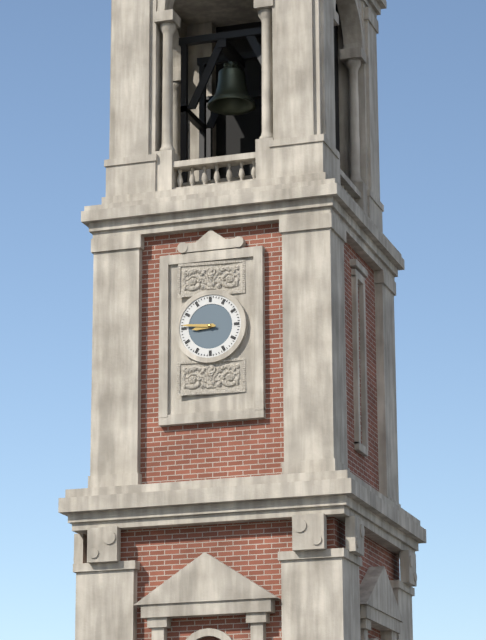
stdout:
**8:46**
